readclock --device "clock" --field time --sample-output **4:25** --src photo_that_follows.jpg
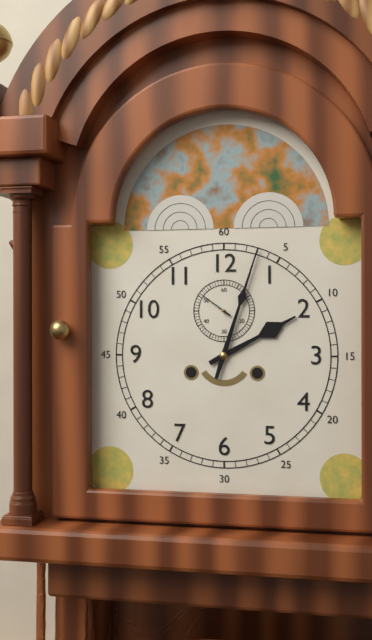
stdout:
**2:03**
